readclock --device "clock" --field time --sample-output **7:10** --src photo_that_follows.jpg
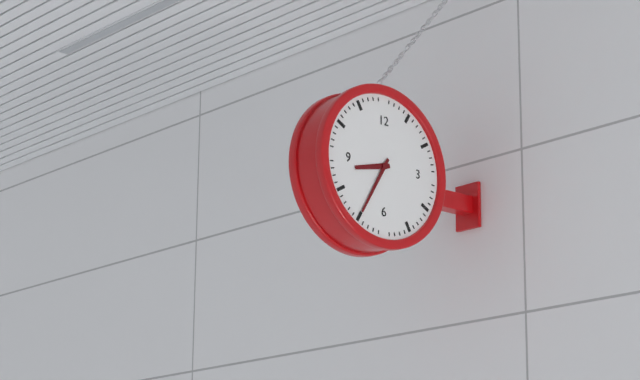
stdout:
**8:35**
